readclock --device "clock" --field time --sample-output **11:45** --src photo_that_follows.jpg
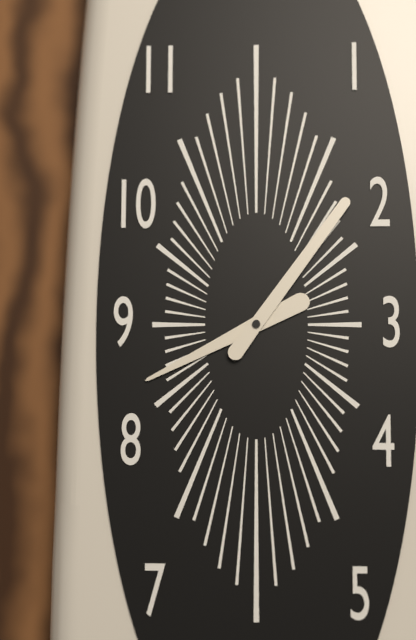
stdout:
**8:06**
